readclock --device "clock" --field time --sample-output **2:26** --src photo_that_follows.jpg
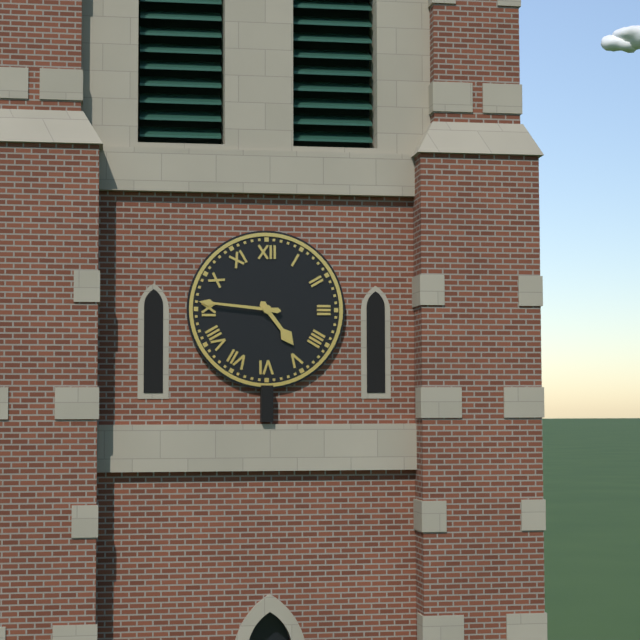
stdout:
**4:46**
